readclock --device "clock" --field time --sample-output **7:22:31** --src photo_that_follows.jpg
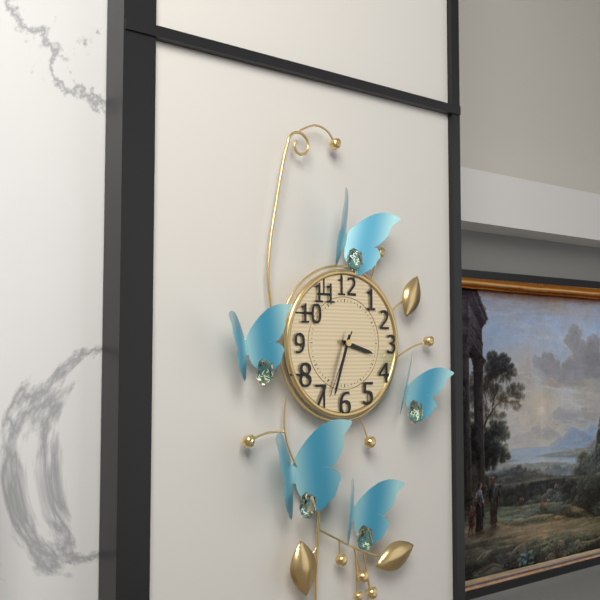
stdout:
**3:33:34**
